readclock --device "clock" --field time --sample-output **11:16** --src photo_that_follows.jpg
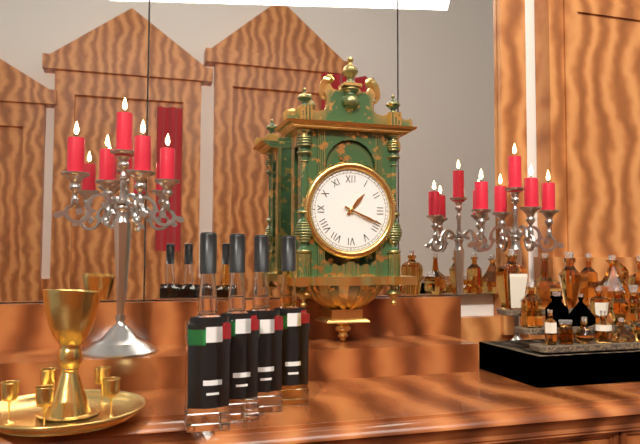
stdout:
**1:19**
